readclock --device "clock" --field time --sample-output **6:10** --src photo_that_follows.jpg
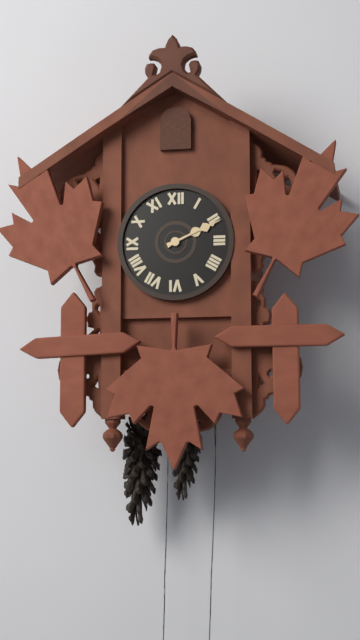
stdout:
**2:11**
